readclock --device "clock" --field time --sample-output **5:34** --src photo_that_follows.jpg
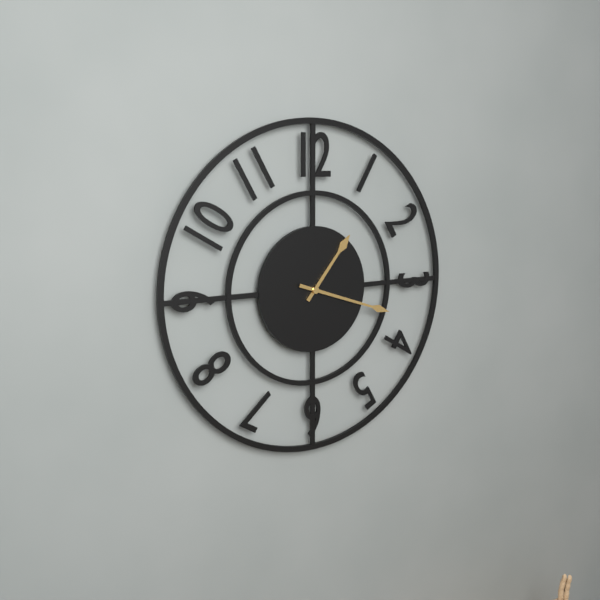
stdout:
**1:18**
